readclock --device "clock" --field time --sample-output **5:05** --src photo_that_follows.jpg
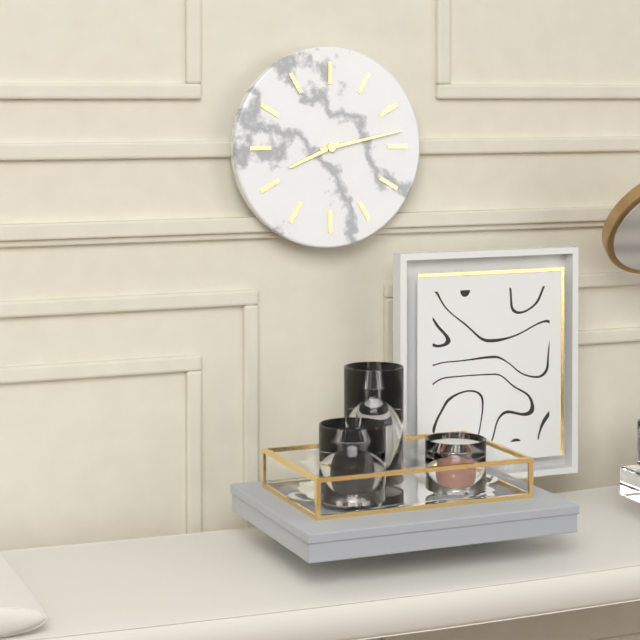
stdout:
**8:13**
